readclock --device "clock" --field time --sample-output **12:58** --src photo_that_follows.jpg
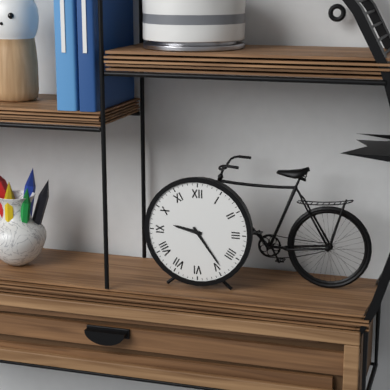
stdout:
**9:24**
